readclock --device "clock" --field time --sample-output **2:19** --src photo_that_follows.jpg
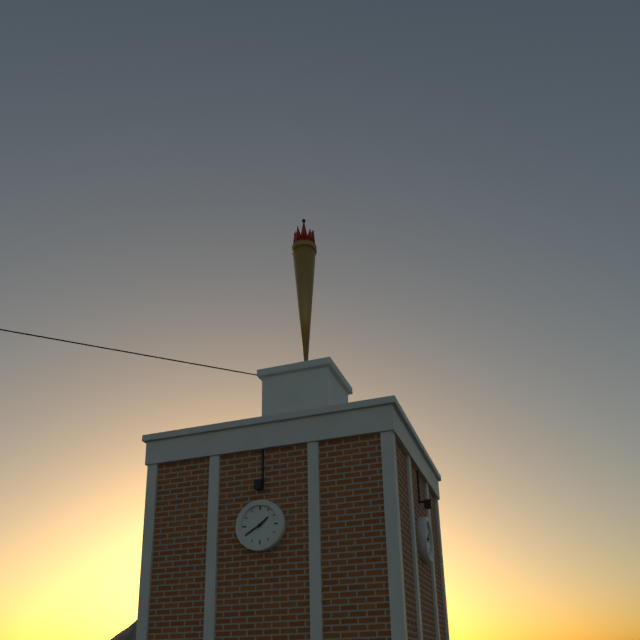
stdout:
**1:40**
